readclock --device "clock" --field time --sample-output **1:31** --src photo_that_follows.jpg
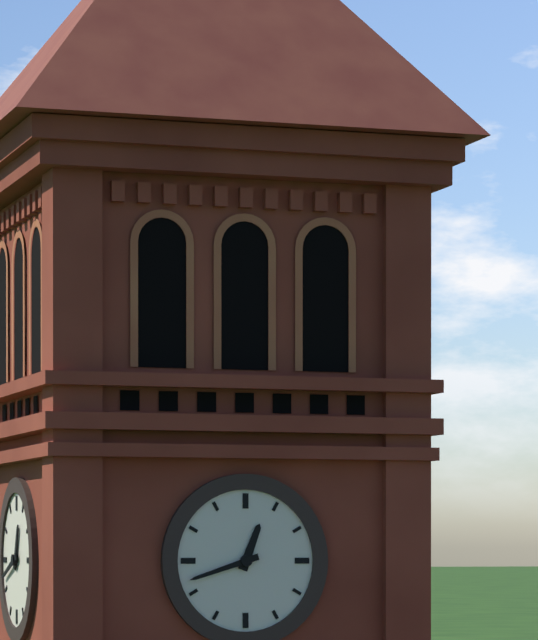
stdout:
**12:42**
